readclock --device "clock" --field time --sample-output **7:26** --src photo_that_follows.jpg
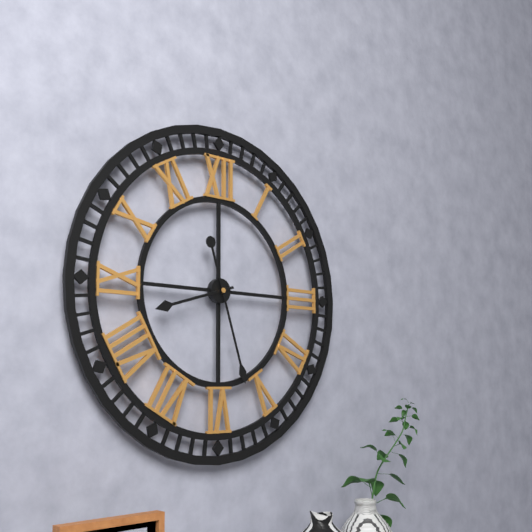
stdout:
**8:27**
